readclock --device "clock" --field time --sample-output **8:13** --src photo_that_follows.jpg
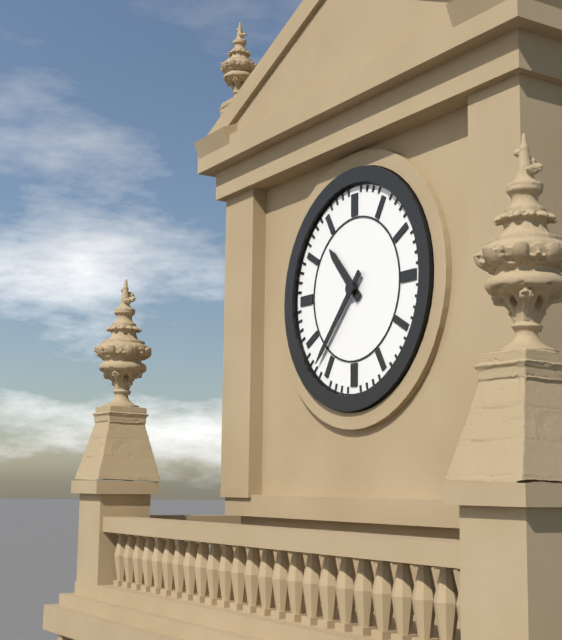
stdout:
**10:37**
